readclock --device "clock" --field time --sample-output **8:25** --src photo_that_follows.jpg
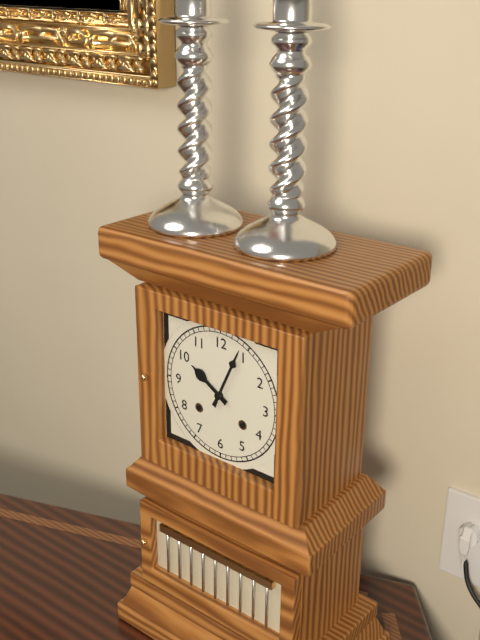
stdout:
**10:04**
